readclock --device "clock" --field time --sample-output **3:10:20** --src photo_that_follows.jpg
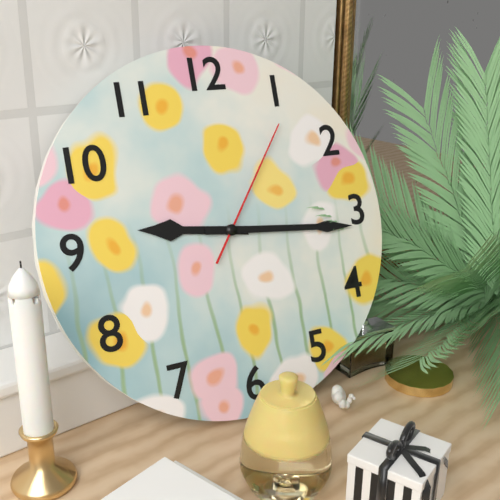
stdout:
**9:16:06**
